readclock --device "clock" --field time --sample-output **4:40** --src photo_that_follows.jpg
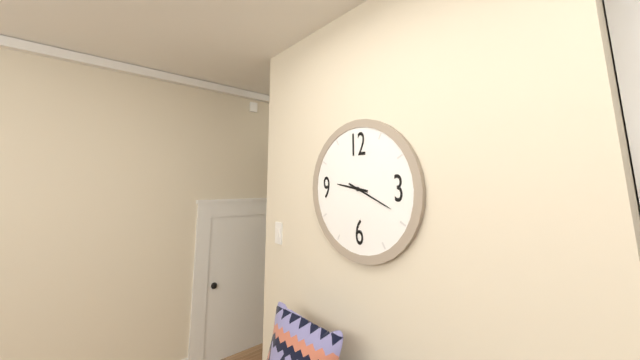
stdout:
**9:19**
